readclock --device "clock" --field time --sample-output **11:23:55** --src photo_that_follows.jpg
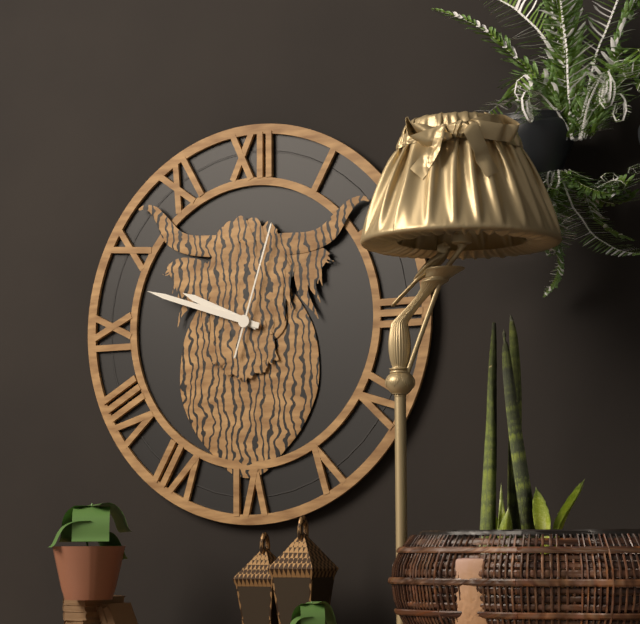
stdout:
**9:48:03**
